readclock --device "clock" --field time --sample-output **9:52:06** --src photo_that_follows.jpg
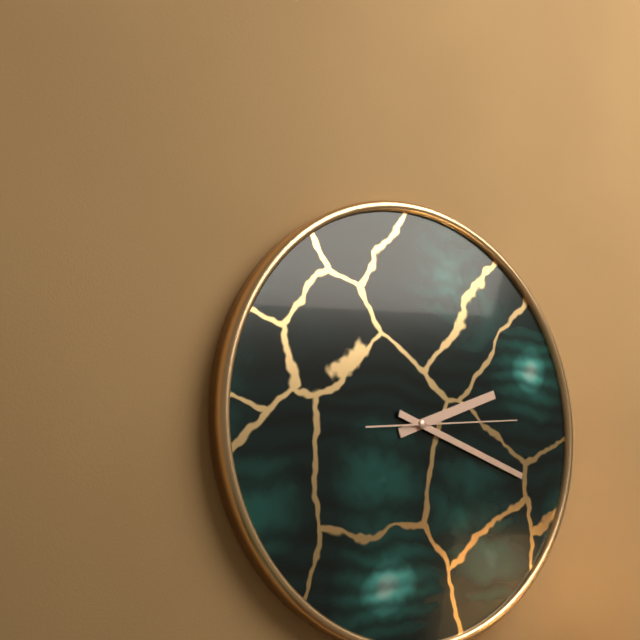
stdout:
**2:18:14**
